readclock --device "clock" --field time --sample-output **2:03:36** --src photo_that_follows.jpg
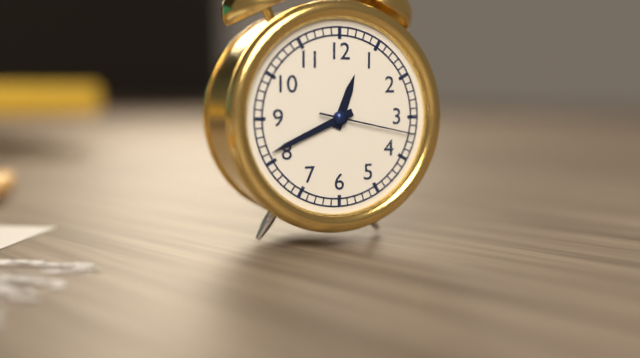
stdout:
**12:41:17**
